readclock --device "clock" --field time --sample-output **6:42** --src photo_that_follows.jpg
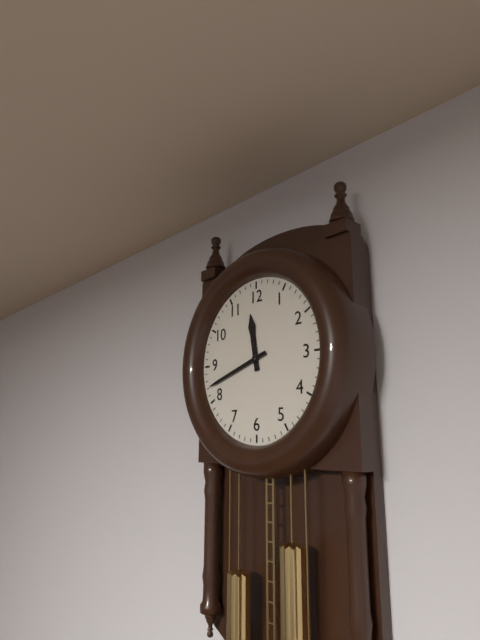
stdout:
**11:42**
